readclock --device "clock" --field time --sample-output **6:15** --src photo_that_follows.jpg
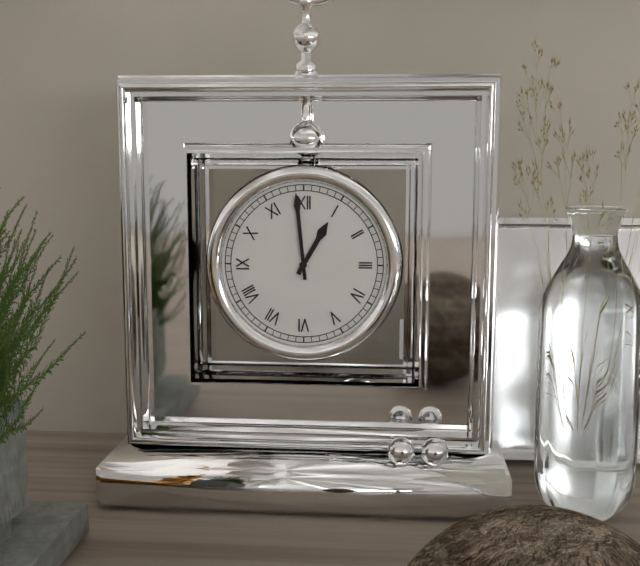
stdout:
**12:59**
